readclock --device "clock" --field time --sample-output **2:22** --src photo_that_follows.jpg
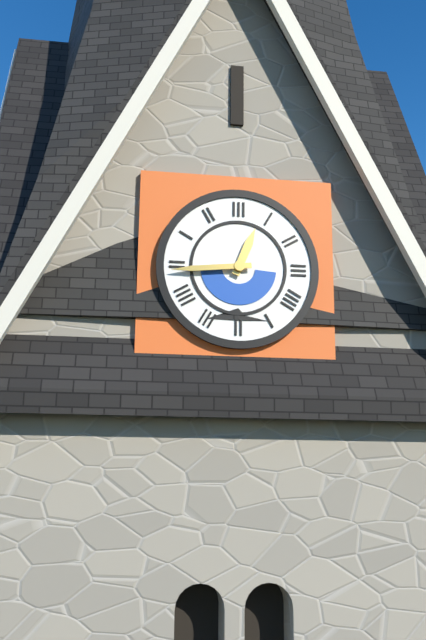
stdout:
**12:44**
